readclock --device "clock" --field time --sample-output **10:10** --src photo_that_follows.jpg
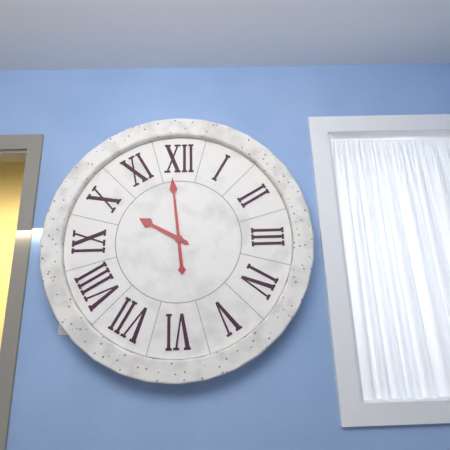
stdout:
**9:59**
